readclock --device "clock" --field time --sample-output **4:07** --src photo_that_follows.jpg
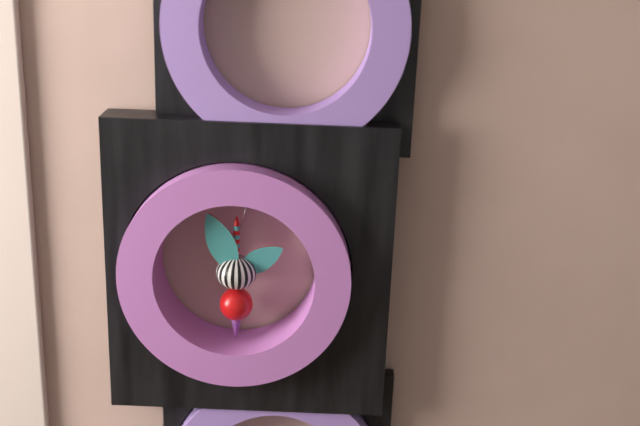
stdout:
**1:56**
